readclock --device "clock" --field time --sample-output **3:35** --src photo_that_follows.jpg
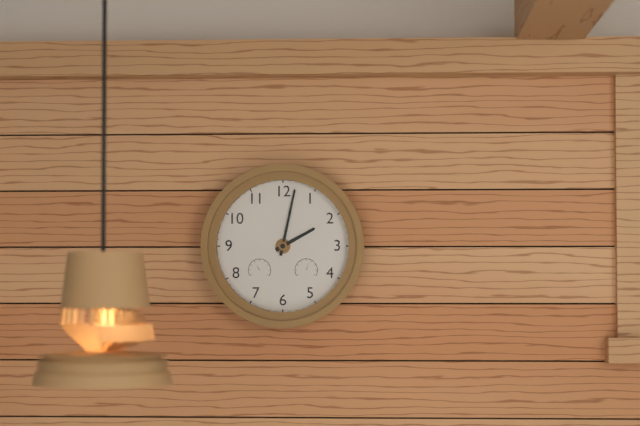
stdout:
**2:02**
